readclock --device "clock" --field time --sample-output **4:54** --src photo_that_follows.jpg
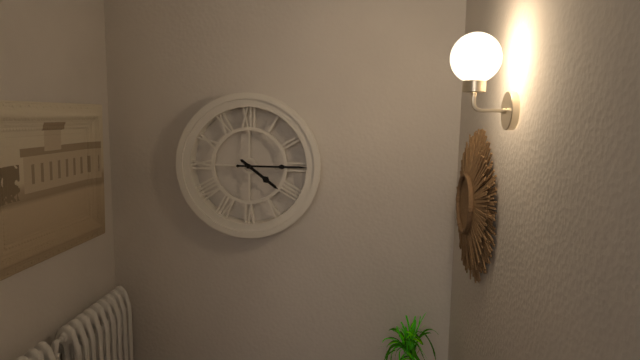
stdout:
**4:15**
